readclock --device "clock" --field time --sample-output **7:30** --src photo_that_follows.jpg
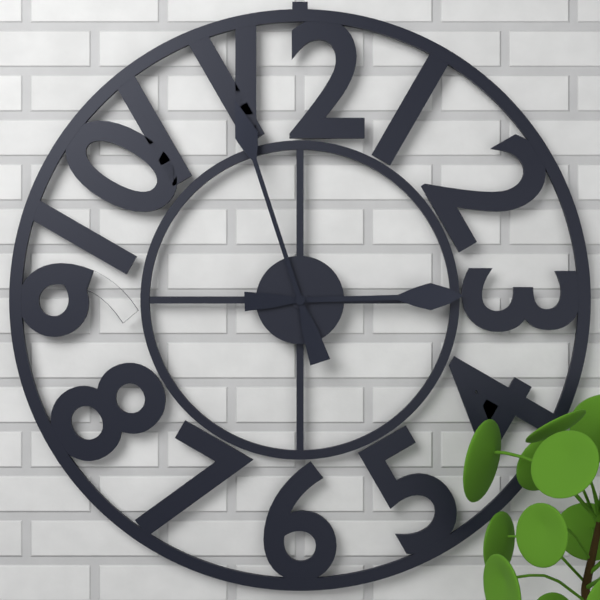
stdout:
**2:57**
